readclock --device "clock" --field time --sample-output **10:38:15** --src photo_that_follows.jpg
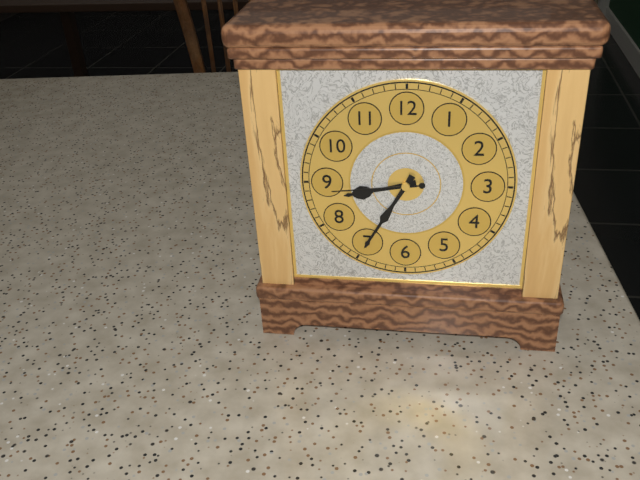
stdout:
**8:35:44**
